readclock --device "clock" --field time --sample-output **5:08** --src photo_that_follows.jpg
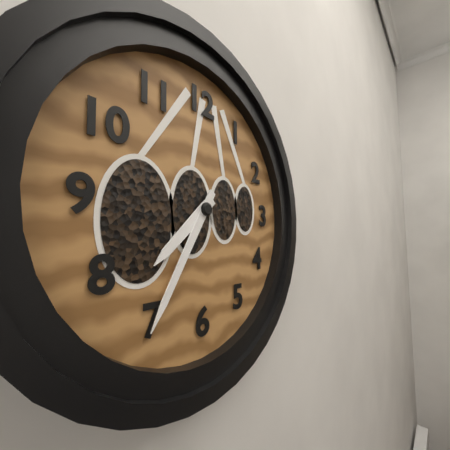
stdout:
**7:35**
